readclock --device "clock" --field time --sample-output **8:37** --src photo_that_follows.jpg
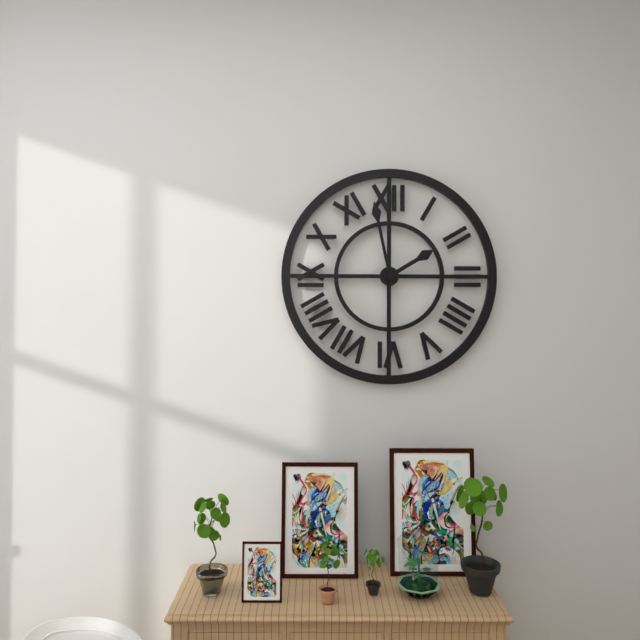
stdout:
**1:58**
